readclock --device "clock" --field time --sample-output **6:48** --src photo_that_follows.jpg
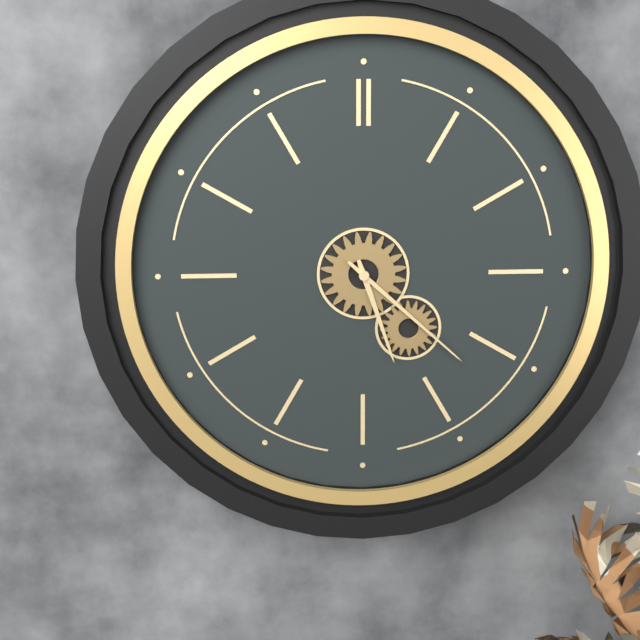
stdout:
**5:22**
